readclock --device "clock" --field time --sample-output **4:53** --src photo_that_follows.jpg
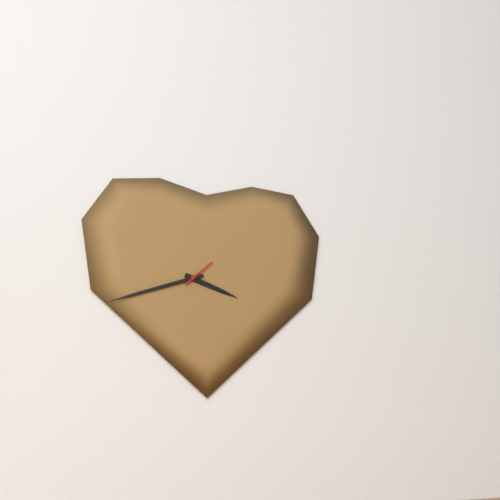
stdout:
**3:42**
